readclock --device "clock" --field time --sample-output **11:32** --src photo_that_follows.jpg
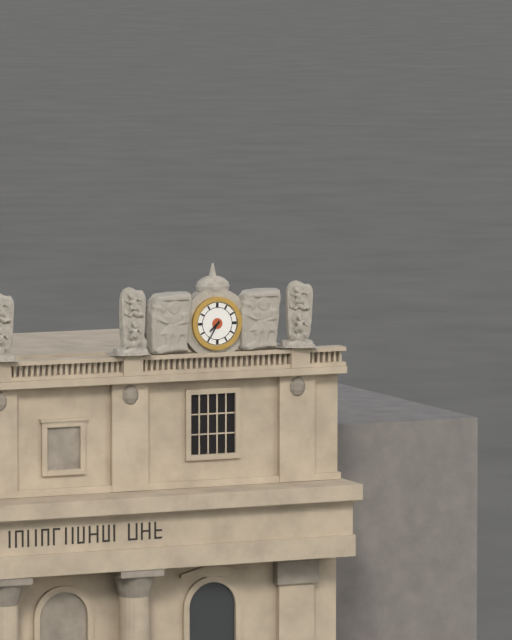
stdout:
**7:35**
